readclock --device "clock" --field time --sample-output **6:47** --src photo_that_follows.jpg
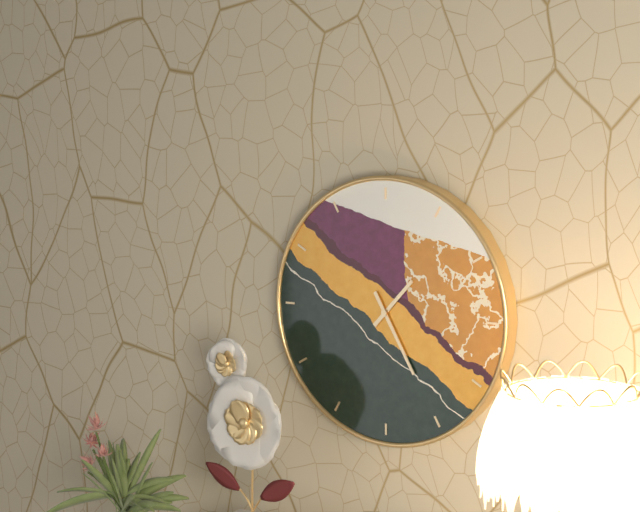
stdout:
**1:25**
